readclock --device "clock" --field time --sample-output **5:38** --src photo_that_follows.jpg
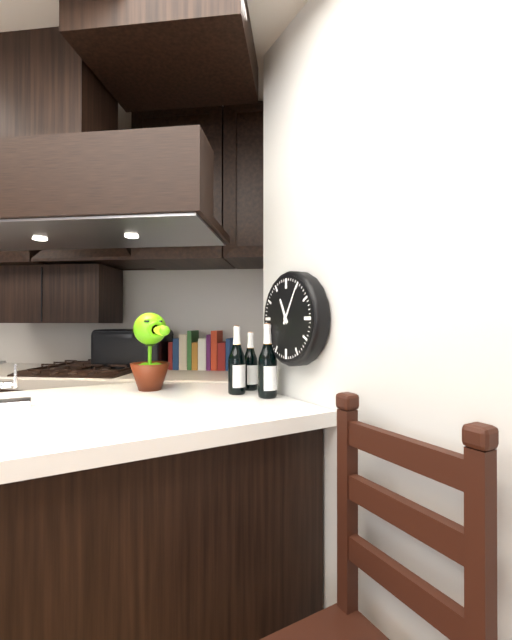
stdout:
**11:05**
